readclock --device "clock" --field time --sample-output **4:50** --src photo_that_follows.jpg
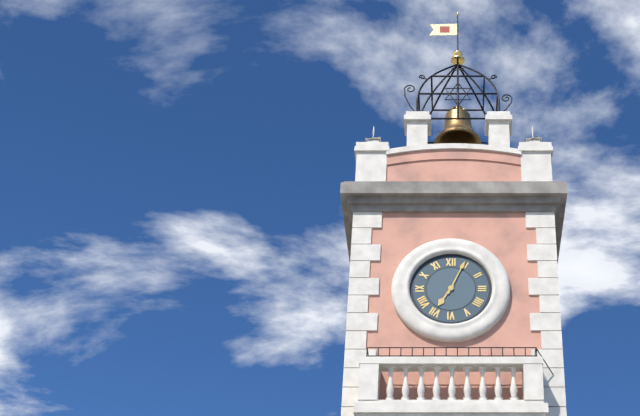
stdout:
**7:04**
